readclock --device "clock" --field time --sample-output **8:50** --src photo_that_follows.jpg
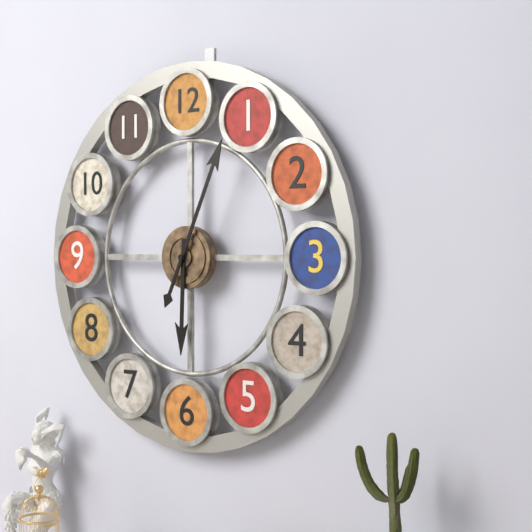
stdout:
**6:04**
